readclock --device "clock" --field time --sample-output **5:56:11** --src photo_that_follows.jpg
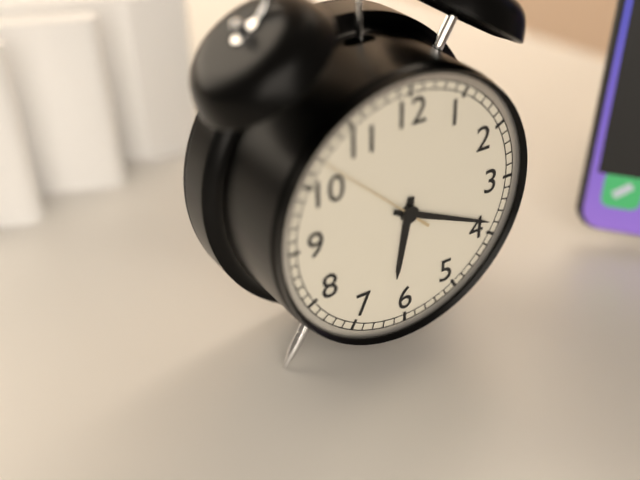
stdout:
**6:19:52**
